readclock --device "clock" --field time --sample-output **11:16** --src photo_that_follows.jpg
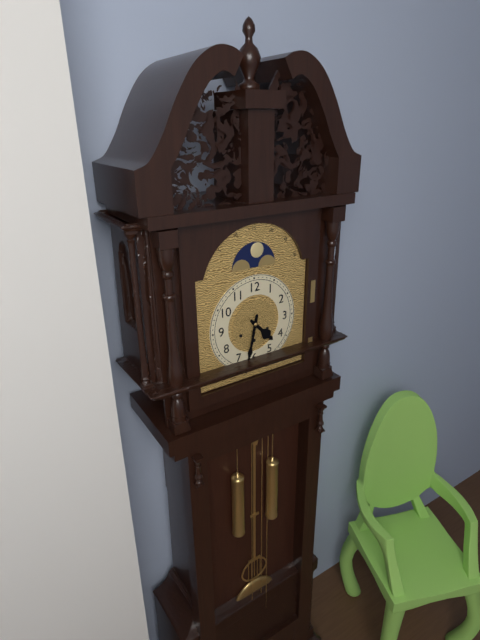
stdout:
**4:32**
